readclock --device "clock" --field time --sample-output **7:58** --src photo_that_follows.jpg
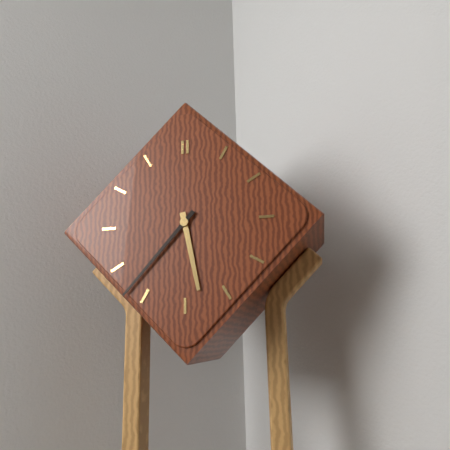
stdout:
**5:37**
